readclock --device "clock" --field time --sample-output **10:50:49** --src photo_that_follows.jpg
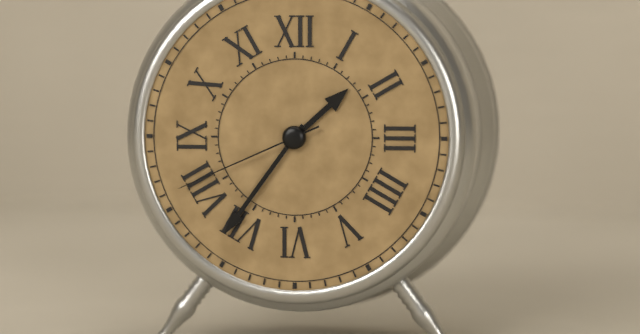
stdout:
**1:36:41**
